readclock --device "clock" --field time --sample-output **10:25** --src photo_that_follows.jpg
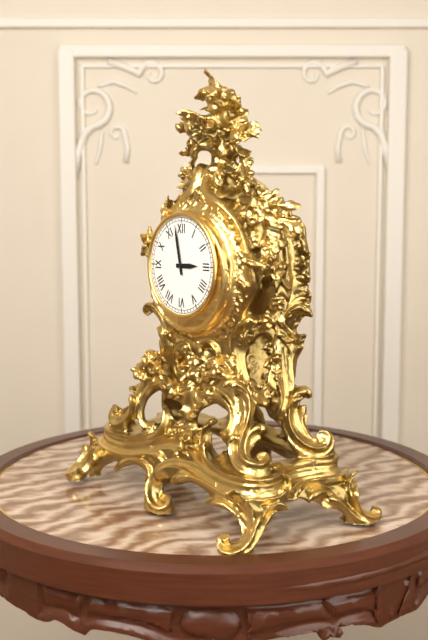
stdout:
**2:58**
